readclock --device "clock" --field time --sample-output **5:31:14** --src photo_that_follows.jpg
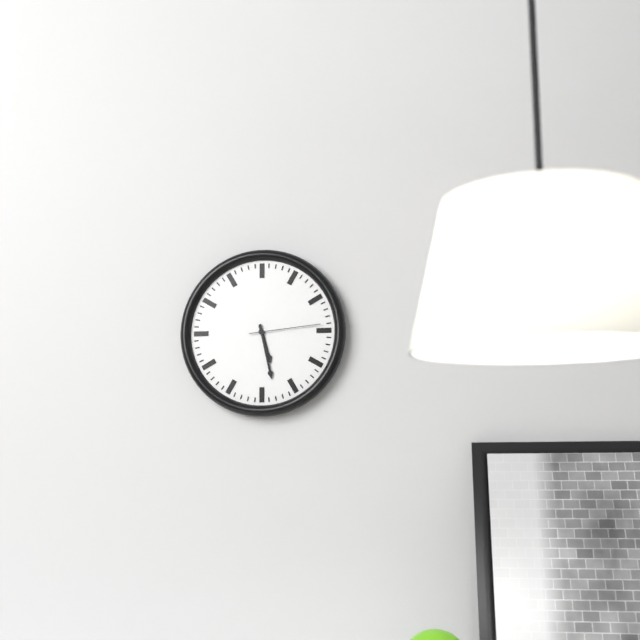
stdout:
**5:28:14**
